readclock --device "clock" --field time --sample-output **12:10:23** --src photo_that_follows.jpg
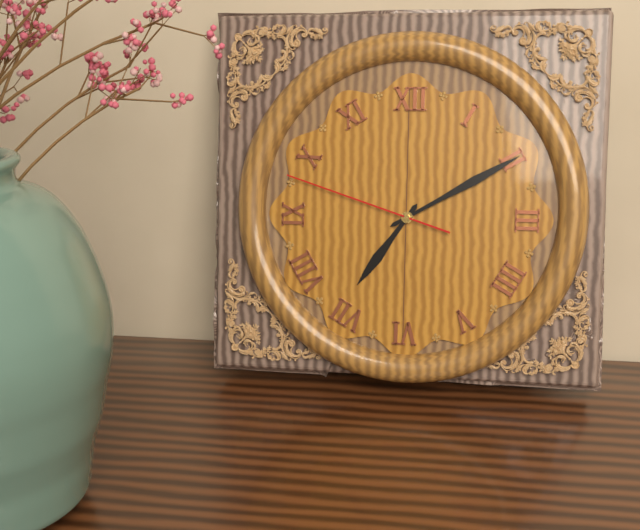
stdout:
**7:10:48**
